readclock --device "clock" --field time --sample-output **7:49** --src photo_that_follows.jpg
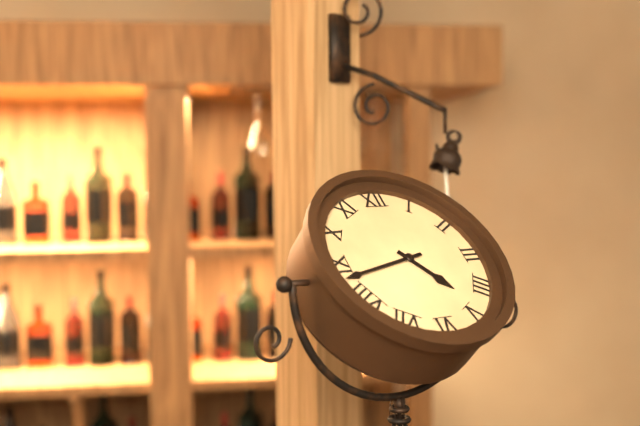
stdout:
**4:43**
